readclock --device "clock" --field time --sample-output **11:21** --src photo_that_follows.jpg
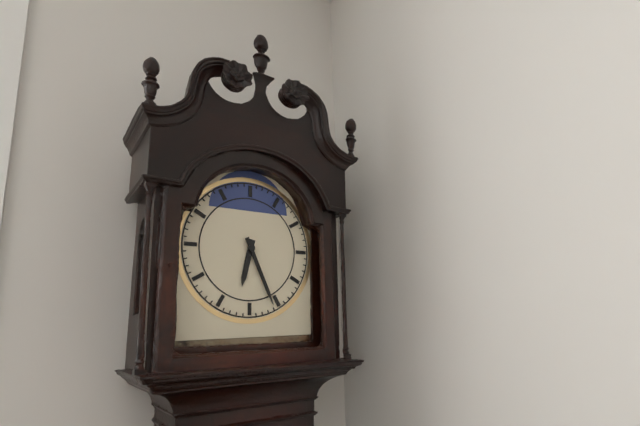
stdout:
**6:26**
